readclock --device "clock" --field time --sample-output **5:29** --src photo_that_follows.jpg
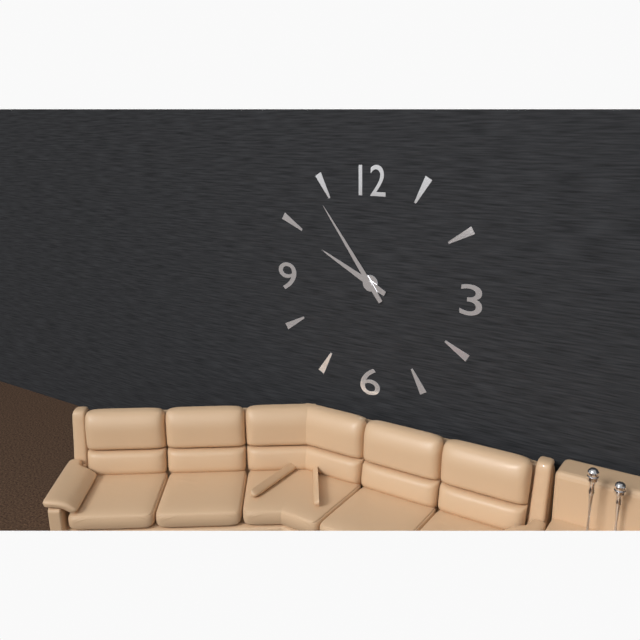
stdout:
**9:54**
